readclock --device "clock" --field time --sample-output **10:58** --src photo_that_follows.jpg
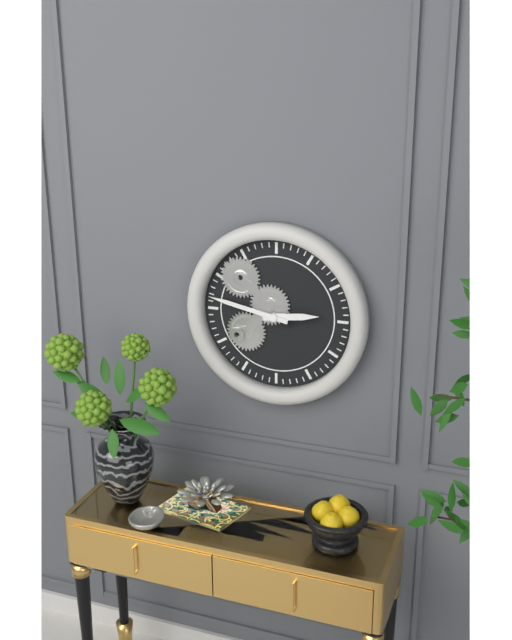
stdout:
**2:47**
